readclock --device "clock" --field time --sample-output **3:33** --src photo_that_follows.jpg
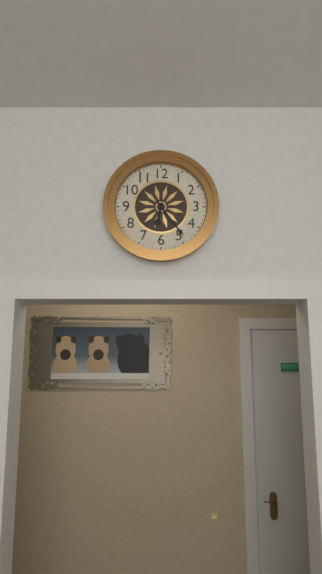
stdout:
**6:24**
